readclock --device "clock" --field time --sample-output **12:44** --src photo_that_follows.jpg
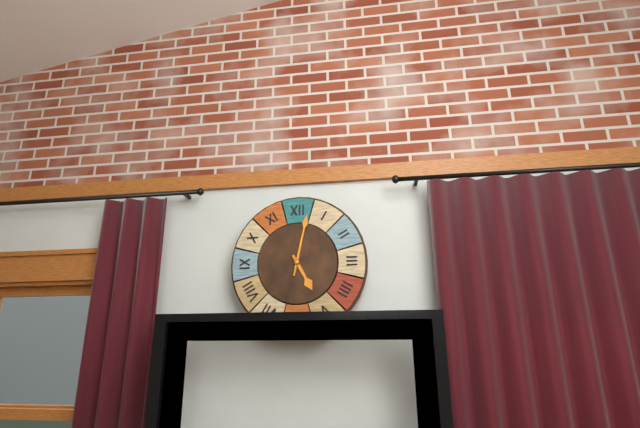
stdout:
**5:02**
